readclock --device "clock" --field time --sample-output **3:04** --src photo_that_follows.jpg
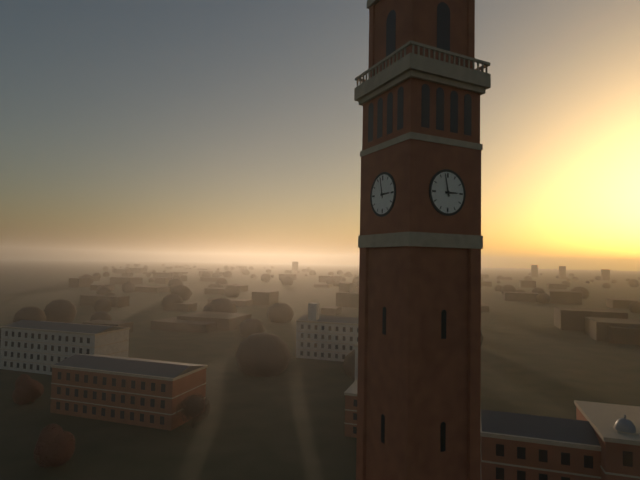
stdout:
**2:58**
